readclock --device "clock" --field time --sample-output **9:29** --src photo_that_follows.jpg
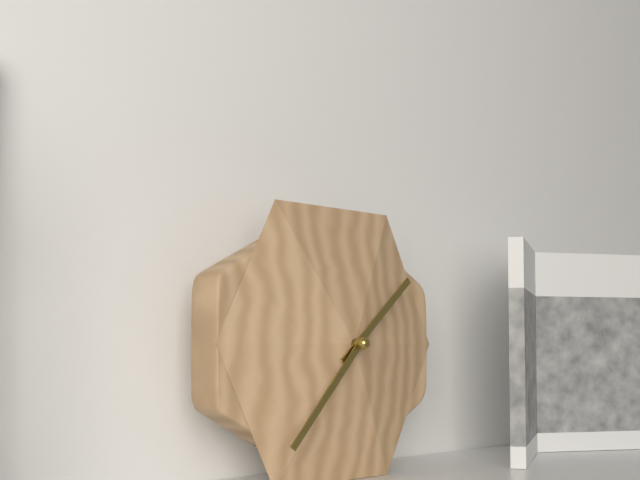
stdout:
**1:37**
